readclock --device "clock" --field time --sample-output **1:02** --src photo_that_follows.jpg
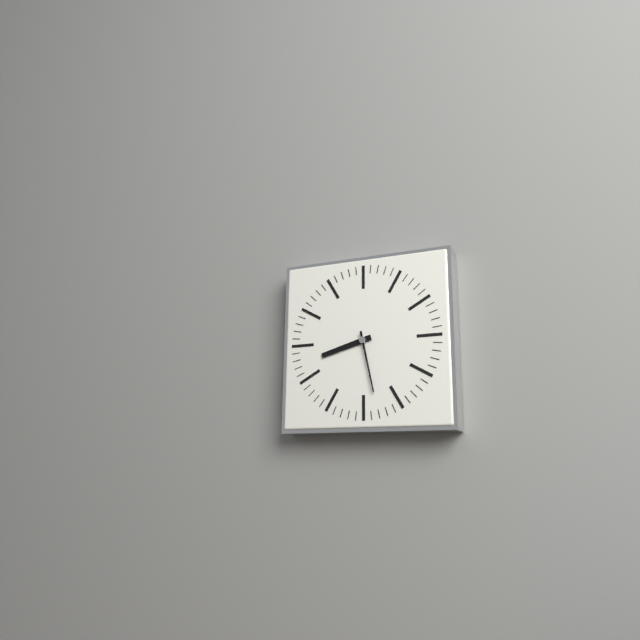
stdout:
**8:28**
